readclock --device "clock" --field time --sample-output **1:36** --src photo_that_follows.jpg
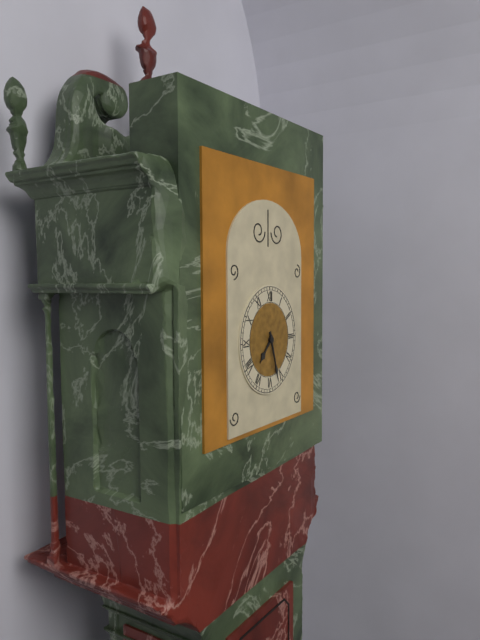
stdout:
**7:27**
